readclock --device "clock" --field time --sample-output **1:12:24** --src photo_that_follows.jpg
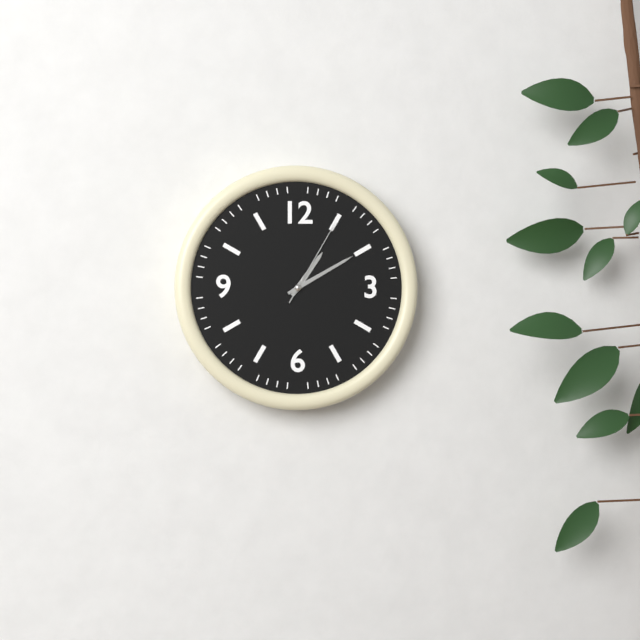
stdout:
**1:10:05**
